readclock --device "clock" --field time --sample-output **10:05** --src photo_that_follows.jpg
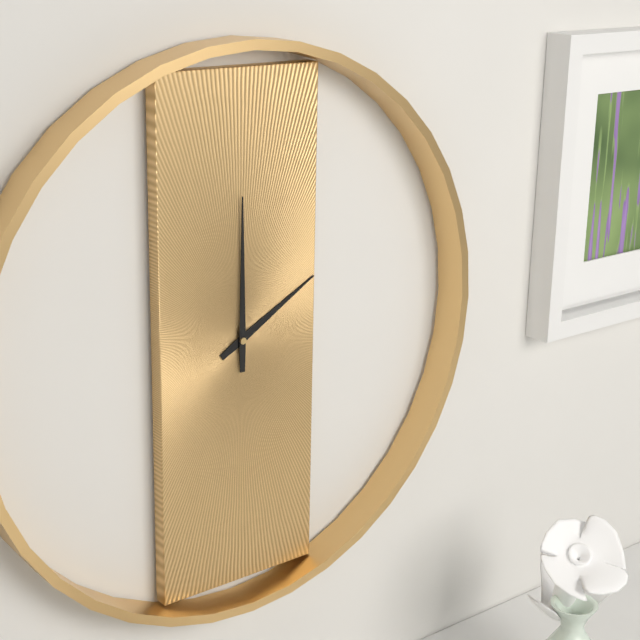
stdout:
**2:00**
